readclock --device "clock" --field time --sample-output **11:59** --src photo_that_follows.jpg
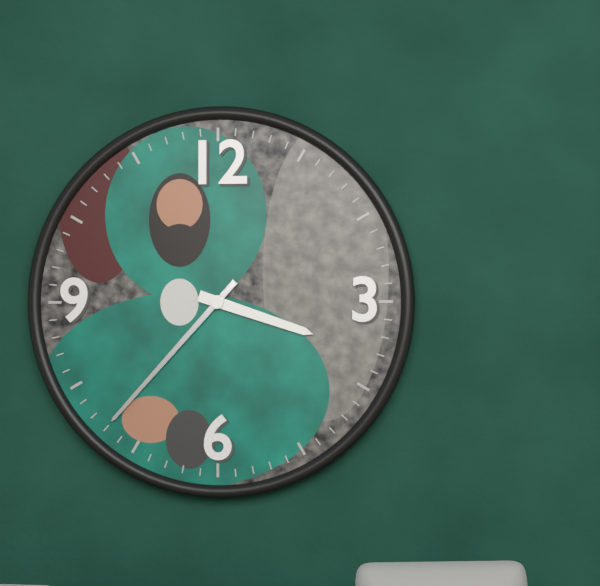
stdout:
**3:37**
